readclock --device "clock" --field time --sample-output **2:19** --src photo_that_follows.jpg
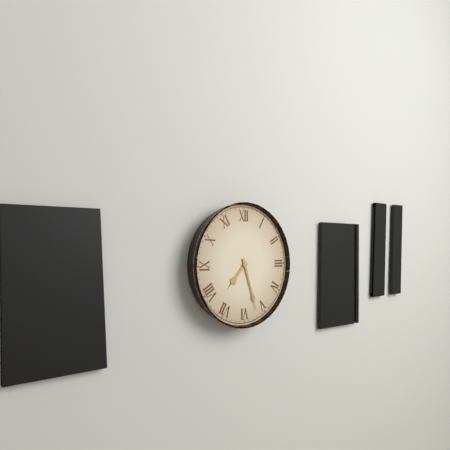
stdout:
**7:27**
